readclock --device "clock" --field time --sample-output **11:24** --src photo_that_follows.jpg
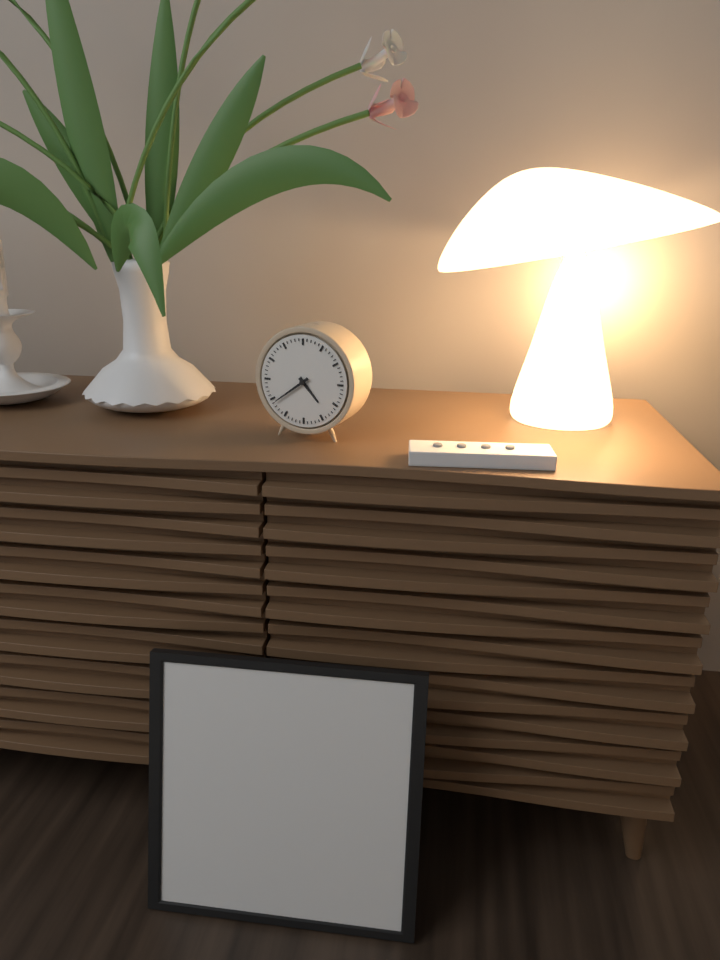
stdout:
**4:39**
